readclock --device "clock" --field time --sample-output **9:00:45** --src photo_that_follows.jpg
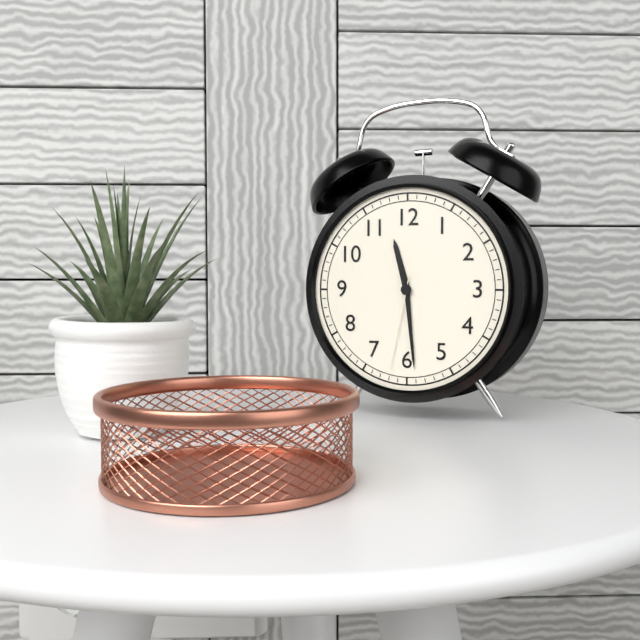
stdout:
**11:29:32**
